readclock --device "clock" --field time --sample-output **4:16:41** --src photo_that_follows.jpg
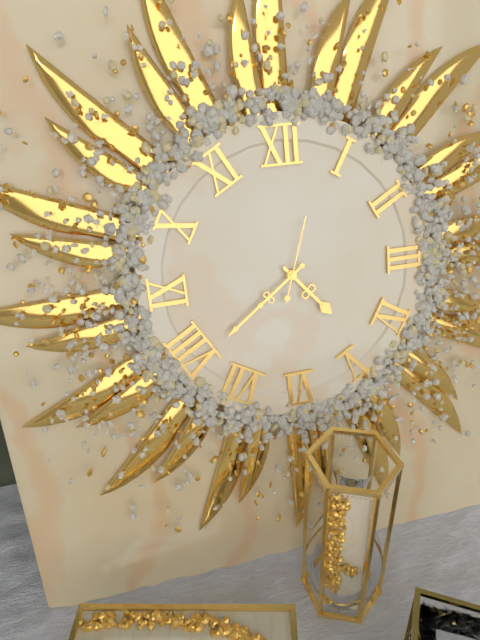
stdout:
**4:39:03**
